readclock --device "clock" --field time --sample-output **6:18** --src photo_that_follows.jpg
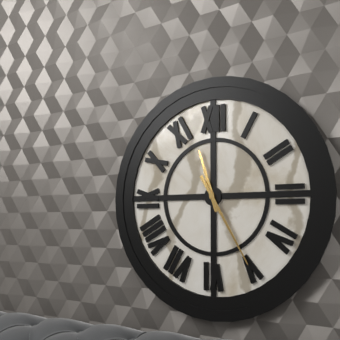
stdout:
**11:25**
